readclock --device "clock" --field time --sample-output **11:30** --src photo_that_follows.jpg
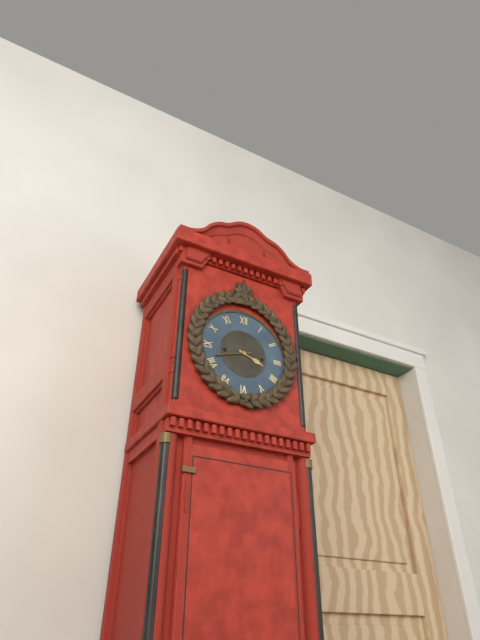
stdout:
**3:42**
